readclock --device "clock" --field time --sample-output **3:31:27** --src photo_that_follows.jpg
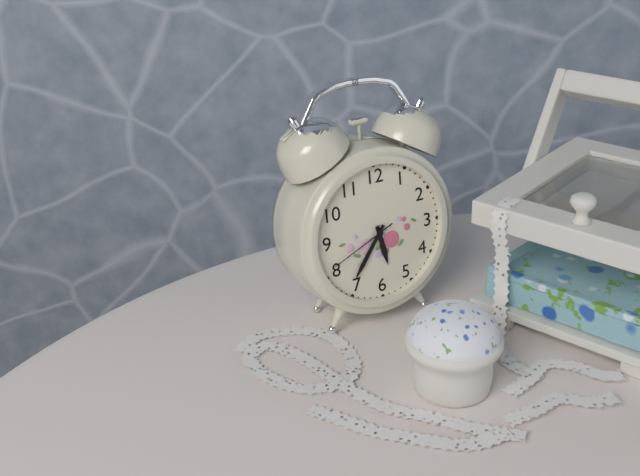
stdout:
**5:36:41**
